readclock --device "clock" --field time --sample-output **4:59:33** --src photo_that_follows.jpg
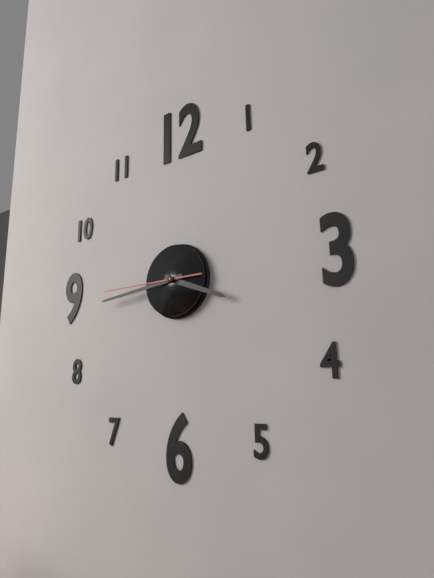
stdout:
**3:44:45**
